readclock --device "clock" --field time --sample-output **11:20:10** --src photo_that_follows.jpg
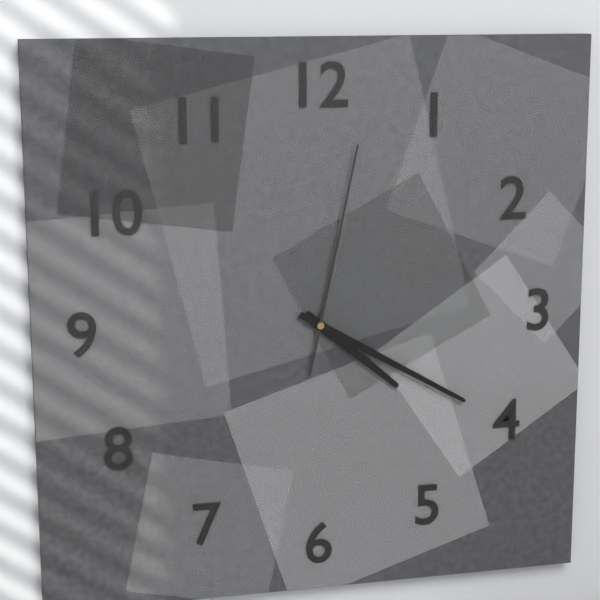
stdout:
**4:20:02**
